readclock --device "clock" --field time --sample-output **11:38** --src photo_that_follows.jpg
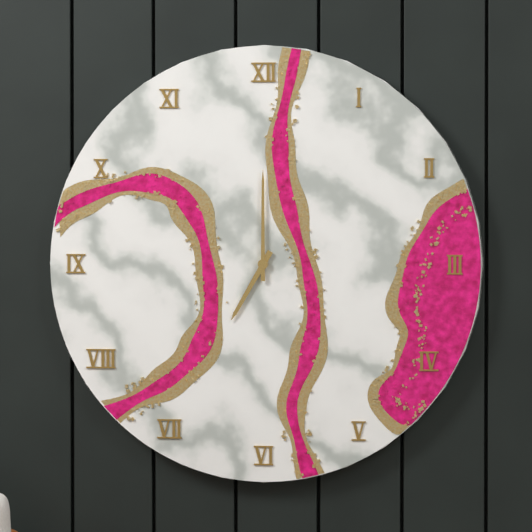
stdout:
**7:00**
